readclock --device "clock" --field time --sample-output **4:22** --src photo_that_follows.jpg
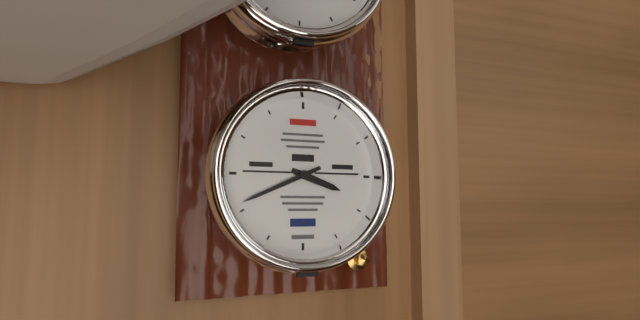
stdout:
**3:41**
